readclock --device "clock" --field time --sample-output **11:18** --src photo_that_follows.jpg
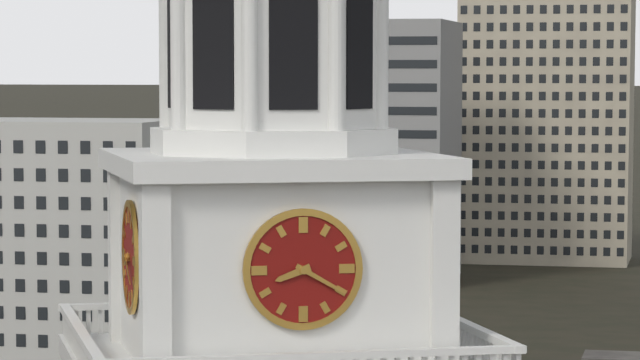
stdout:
**8:20**
